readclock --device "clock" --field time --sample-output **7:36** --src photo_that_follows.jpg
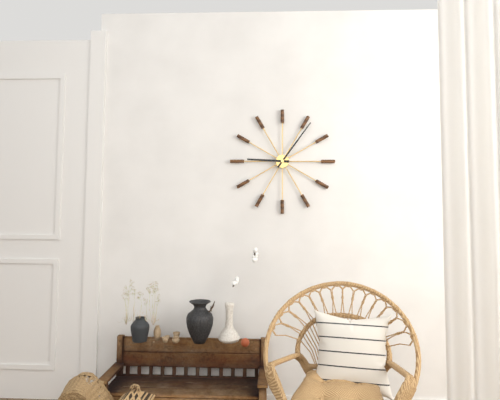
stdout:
**9:06**
